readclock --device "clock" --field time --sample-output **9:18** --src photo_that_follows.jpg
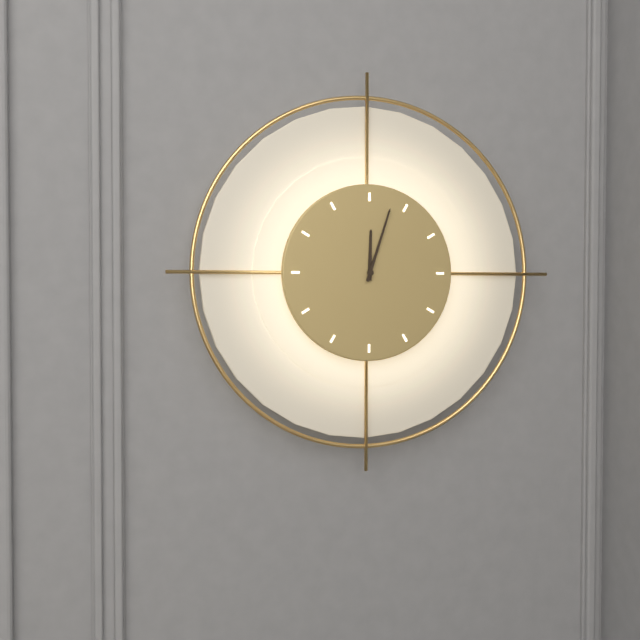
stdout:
**12:03**
